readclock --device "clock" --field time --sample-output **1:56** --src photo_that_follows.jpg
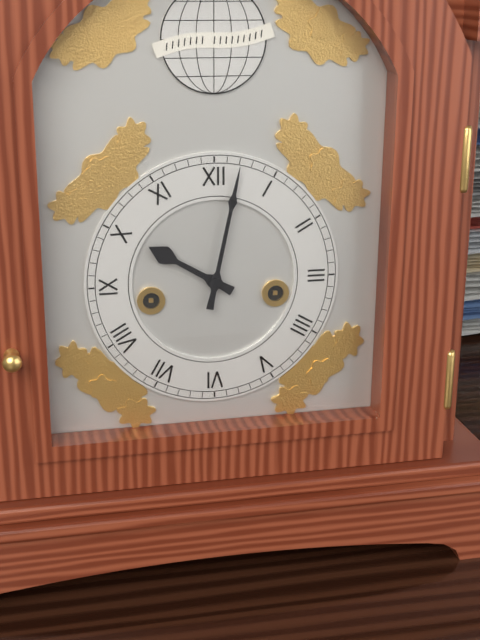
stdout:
**10:02**
